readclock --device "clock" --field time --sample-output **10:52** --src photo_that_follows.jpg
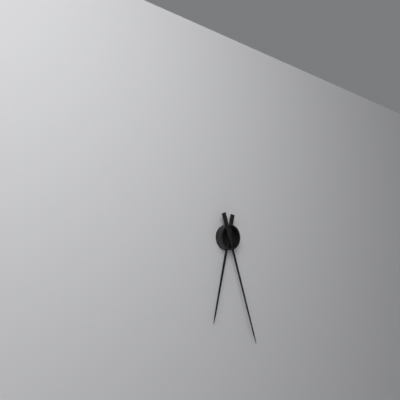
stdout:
**6:27**
